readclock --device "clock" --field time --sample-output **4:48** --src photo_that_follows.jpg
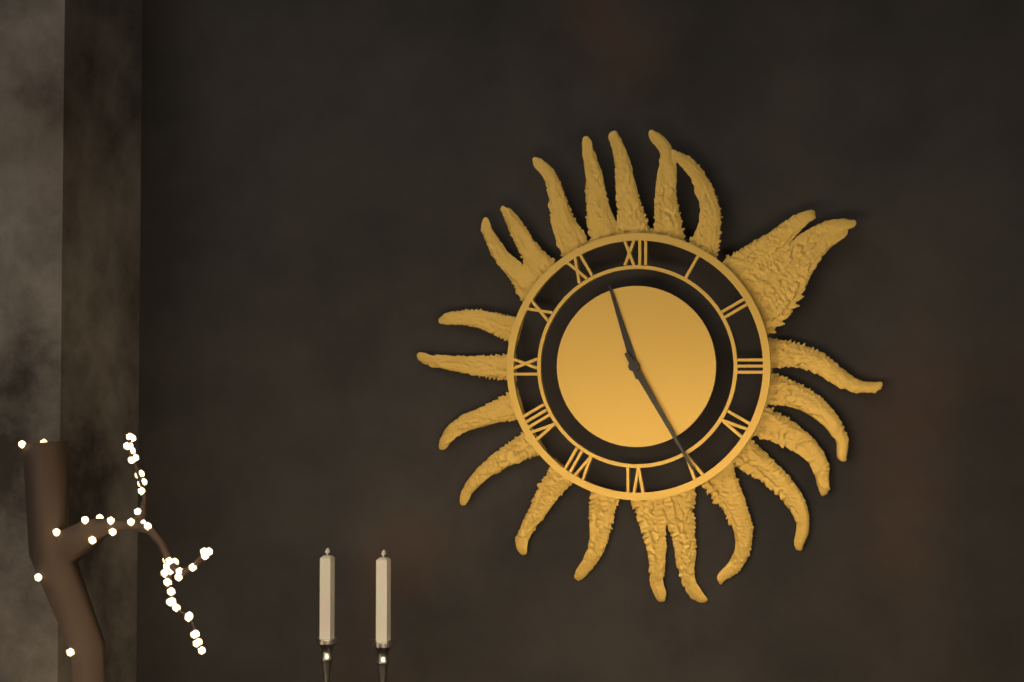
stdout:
**11:25**
